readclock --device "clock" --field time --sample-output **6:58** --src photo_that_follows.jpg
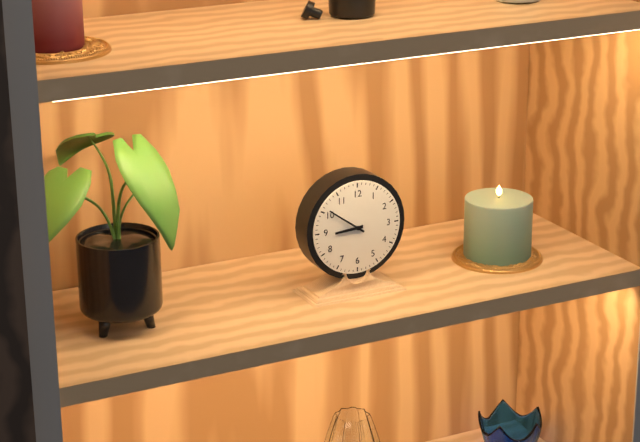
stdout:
**8:51**
